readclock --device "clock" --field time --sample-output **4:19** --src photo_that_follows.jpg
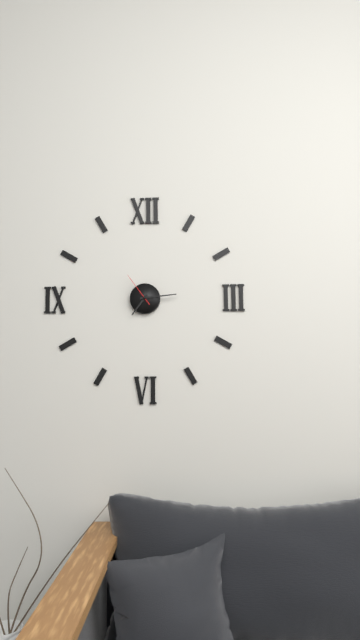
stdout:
**7:14**
